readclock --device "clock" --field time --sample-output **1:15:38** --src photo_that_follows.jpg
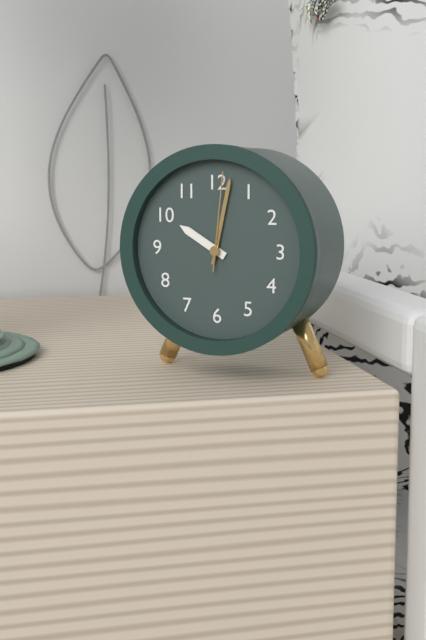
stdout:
**10:02:01**
